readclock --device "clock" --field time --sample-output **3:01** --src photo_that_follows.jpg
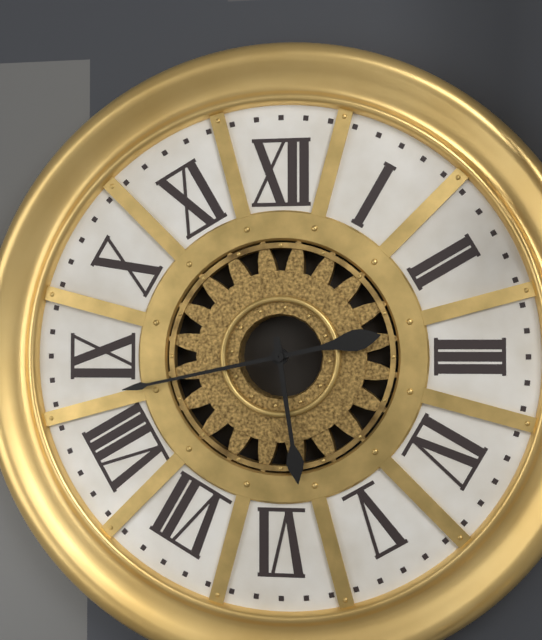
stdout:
**5:43**
